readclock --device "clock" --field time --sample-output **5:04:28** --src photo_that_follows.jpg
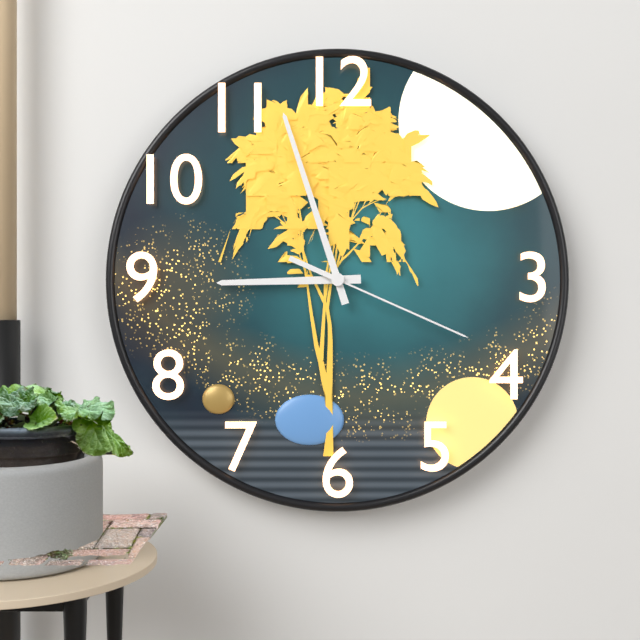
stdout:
**8:57:19**
